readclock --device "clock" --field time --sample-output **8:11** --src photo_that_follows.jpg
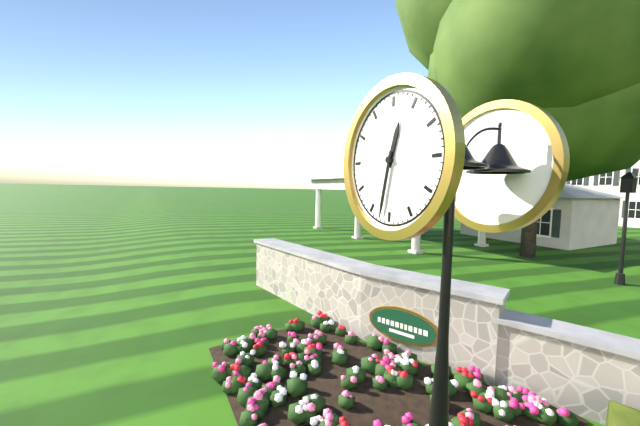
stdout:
**12:32**
